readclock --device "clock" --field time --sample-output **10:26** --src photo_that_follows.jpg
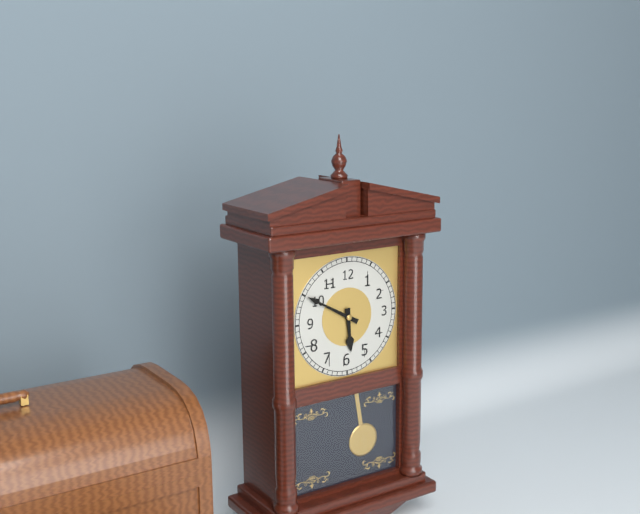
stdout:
**5:50**
